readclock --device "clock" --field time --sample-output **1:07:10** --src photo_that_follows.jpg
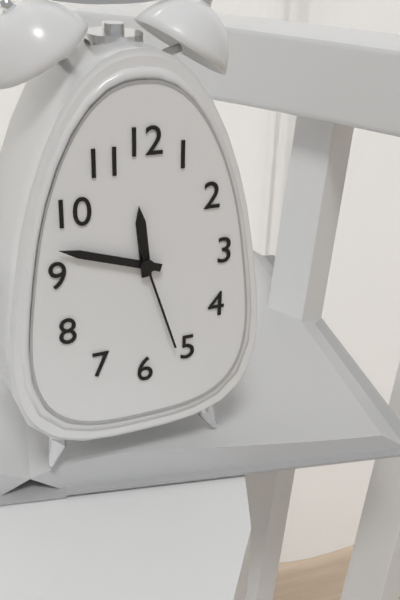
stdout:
**11:48:27**
